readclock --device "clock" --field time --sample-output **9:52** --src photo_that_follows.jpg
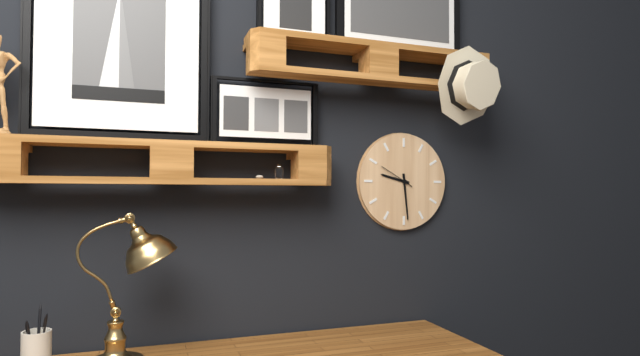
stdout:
**9:29**
